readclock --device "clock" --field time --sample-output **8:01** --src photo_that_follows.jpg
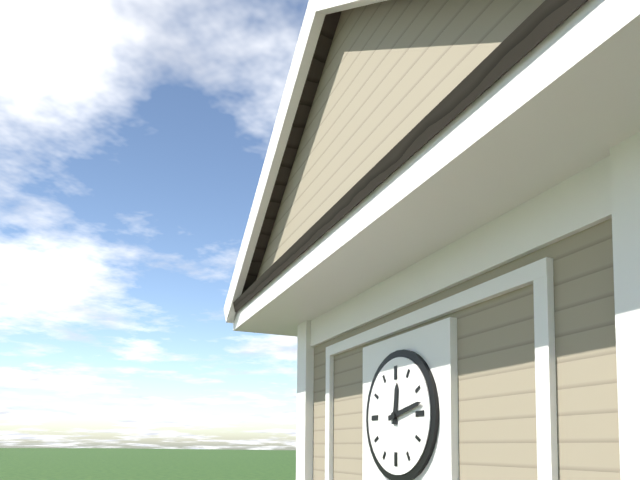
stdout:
**12:13**
